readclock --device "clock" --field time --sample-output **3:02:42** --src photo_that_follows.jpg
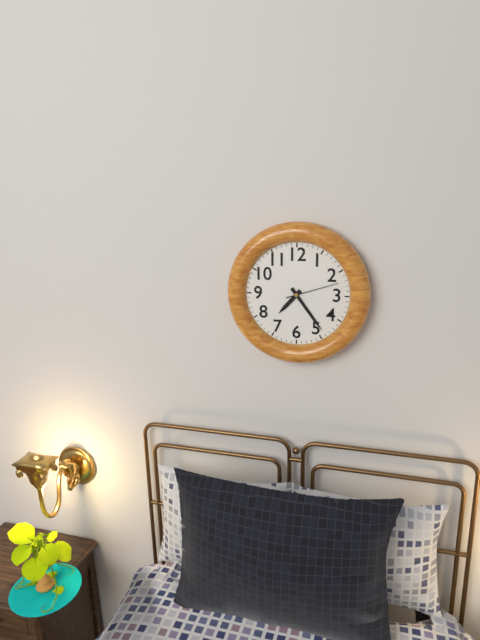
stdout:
**7:24:12**
